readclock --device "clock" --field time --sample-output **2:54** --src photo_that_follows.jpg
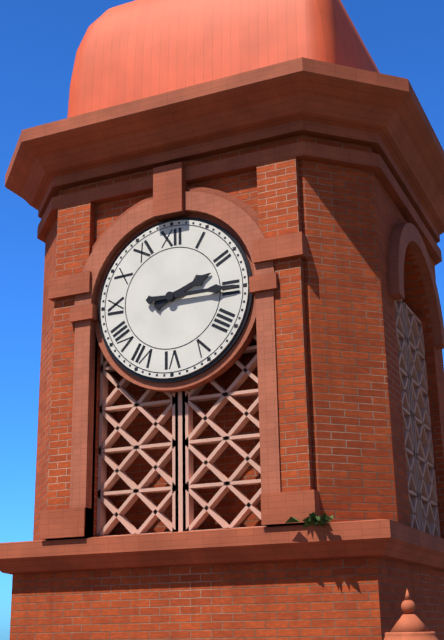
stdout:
**2:15**
